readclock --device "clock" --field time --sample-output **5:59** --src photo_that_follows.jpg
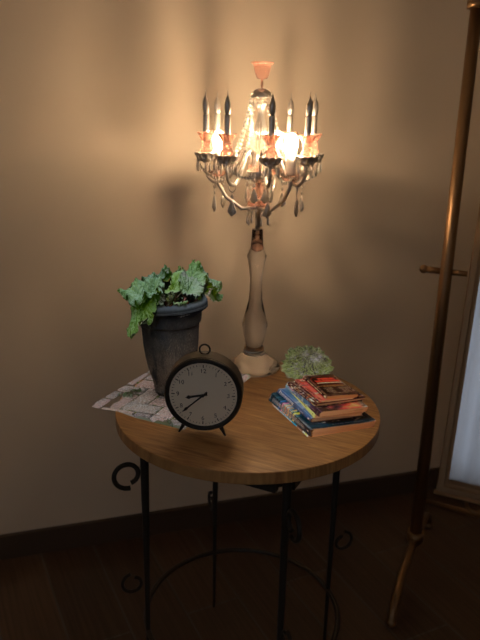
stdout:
**8:38**
